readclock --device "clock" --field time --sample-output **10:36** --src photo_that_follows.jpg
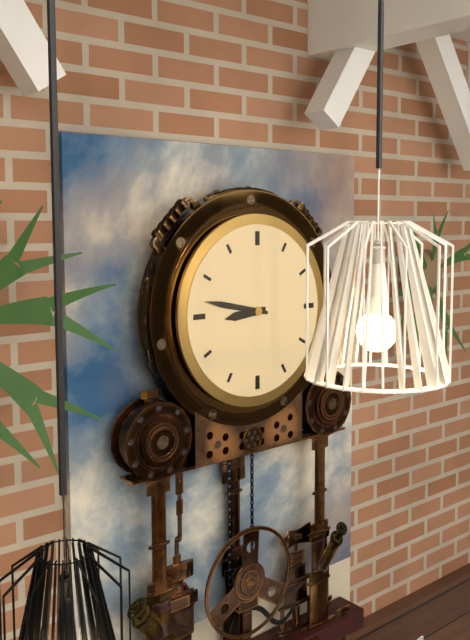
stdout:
**8:47**
